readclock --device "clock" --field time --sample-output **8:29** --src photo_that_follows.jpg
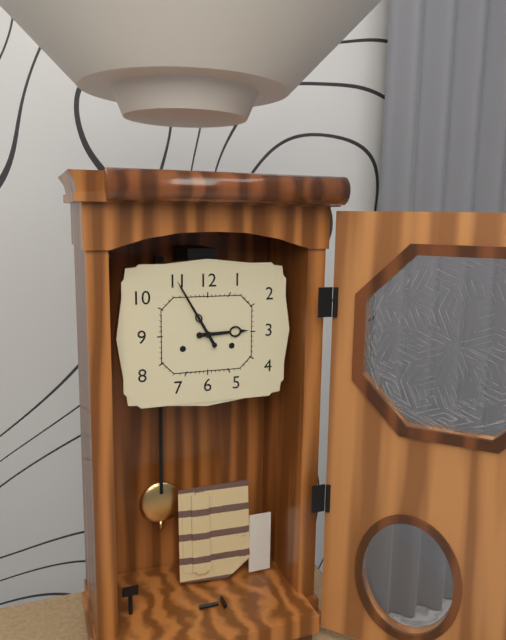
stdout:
**2:55**
